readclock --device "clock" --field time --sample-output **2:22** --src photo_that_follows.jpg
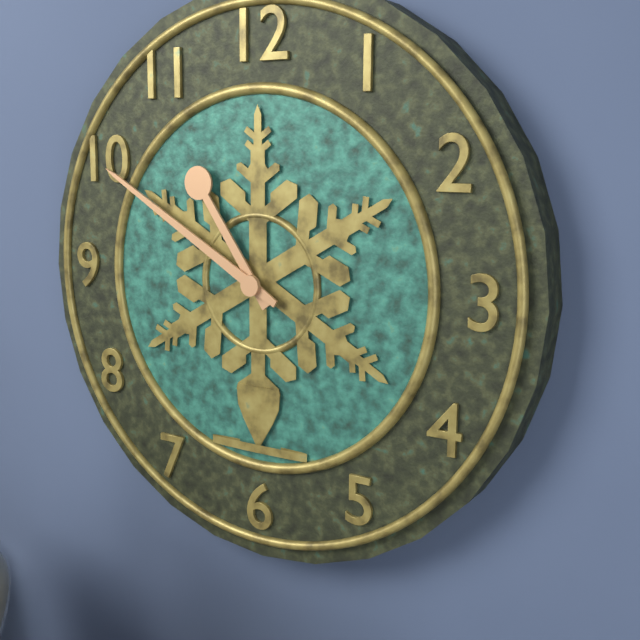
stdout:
**10:50**
